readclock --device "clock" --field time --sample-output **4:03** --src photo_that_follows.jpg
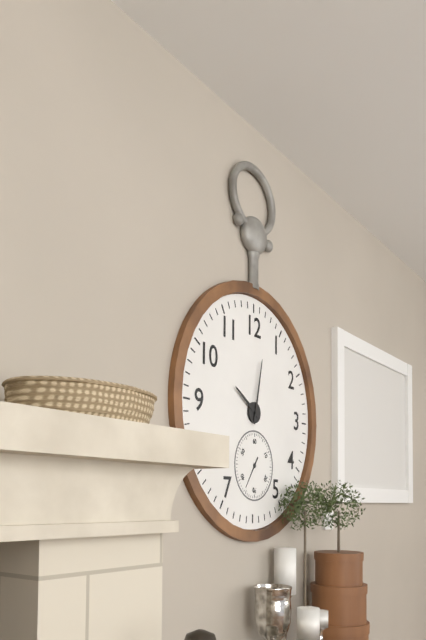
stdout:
**10:02**
